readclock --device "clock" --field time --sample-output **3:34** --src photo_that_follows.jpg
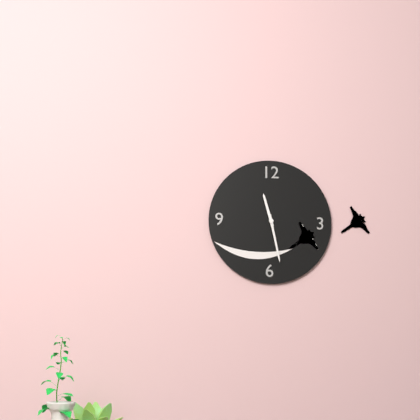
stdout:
**11:28**
